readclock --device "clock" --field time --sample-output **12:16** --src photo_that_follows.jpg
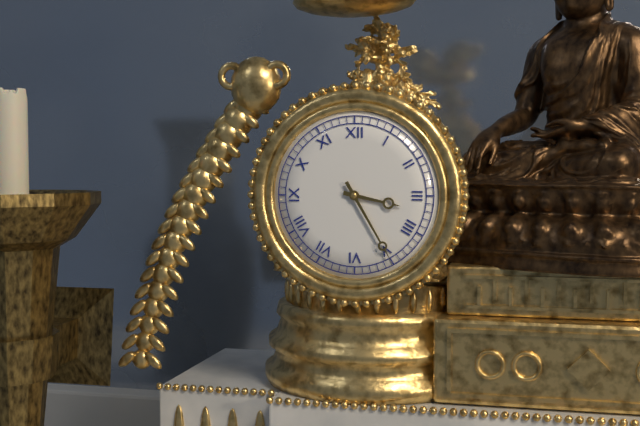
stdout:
**3:25**
